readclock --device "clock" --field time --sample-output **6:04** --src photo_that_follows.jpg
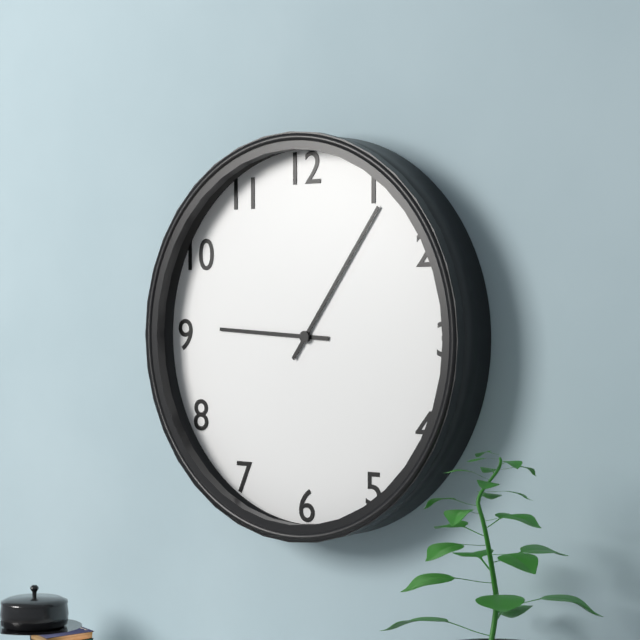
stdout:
**9:06**
